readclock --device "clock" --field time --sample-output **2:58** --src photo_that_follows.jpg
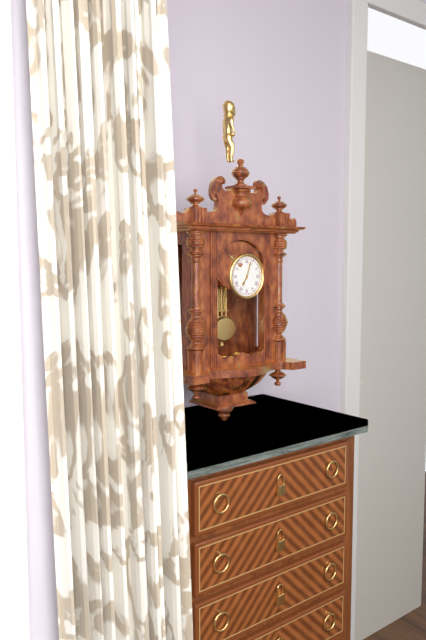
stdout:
**7:03**
